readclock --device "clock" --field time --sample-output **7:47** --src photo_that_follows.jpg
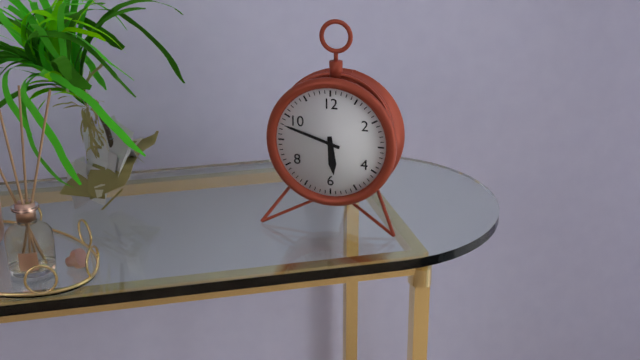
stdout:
**5:48**
